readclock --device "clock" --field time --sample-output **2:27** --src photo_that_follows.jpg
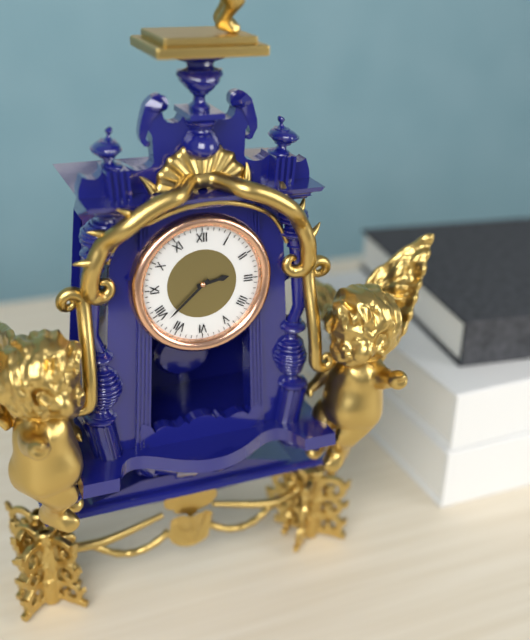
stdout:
**2:38**
